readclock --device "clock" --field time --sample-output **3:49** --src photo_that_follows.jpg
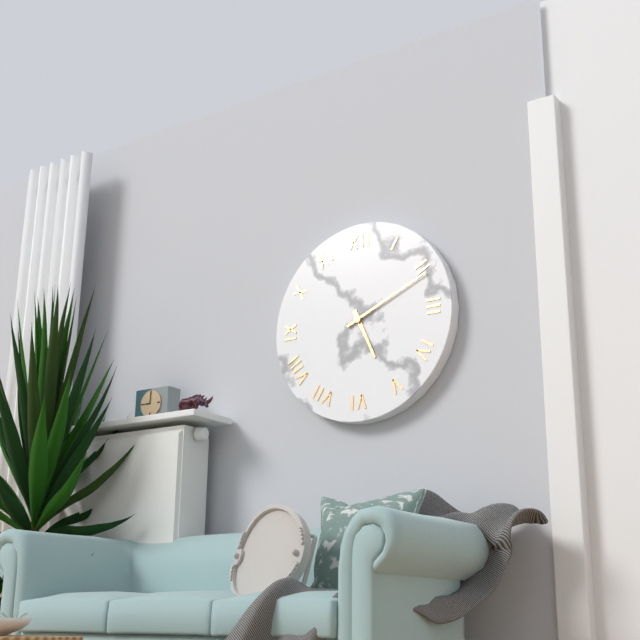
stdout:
**5:11**
